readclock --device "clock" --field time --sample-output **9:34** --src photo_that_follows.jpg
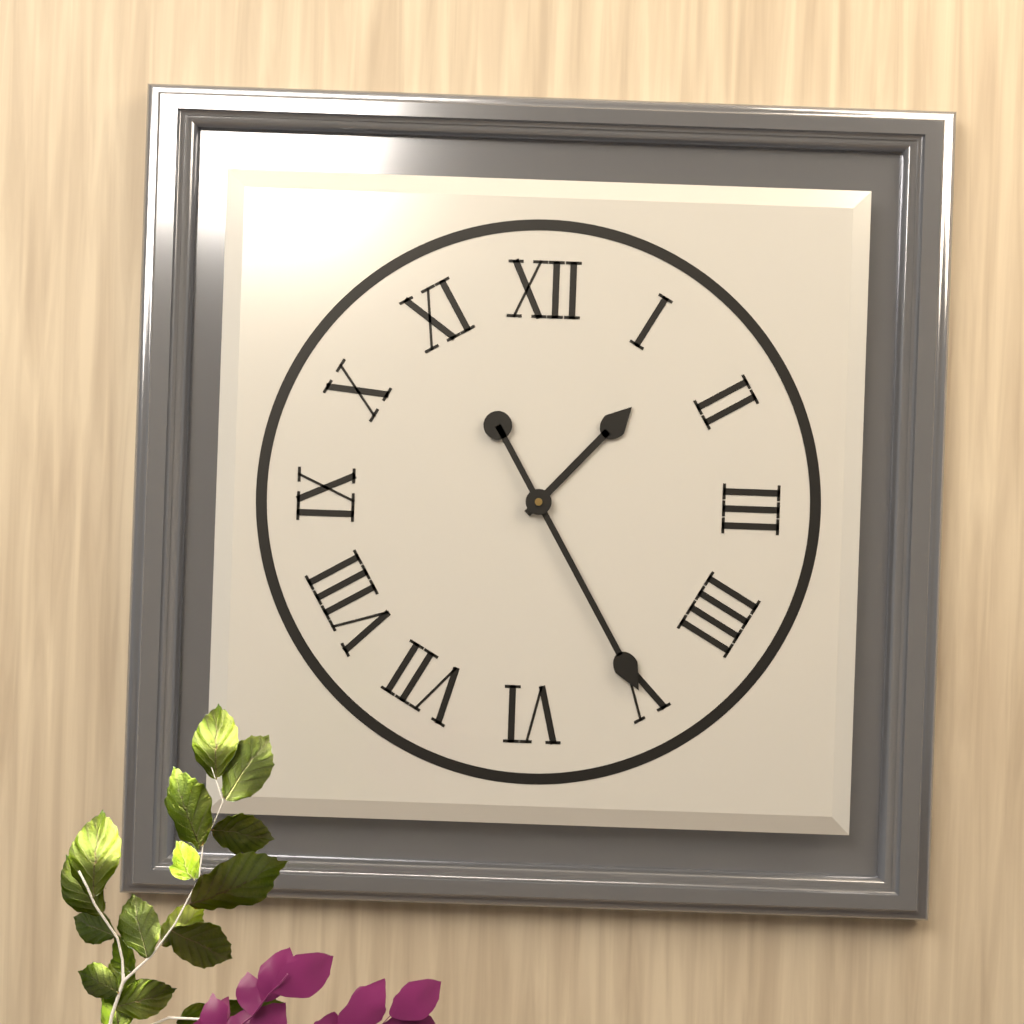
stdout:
**1:25**
